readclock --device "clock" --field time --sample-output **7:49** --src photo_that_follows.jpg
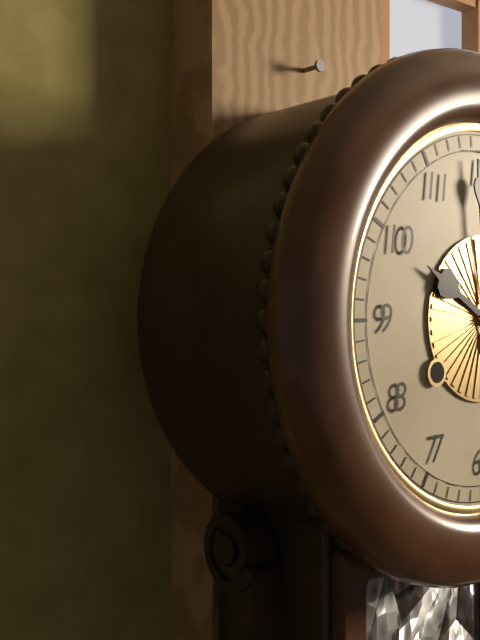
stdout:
**9:59**
